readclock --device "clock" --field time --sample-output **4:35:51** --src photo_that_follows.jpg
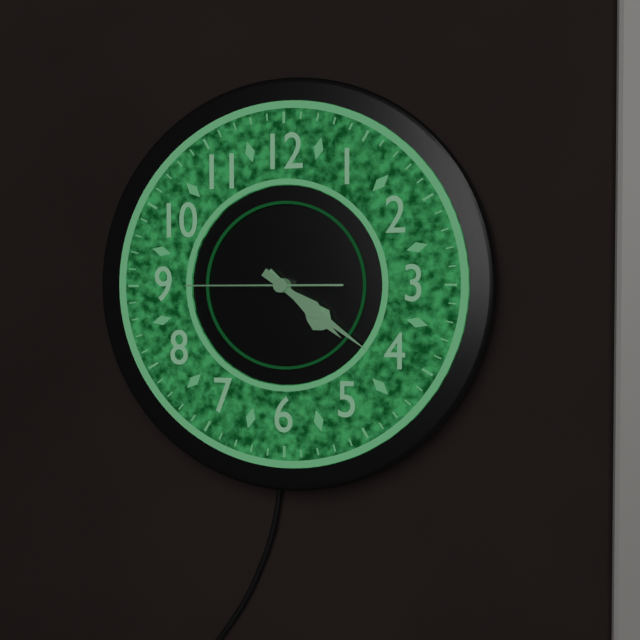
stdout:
**4:21:45**
